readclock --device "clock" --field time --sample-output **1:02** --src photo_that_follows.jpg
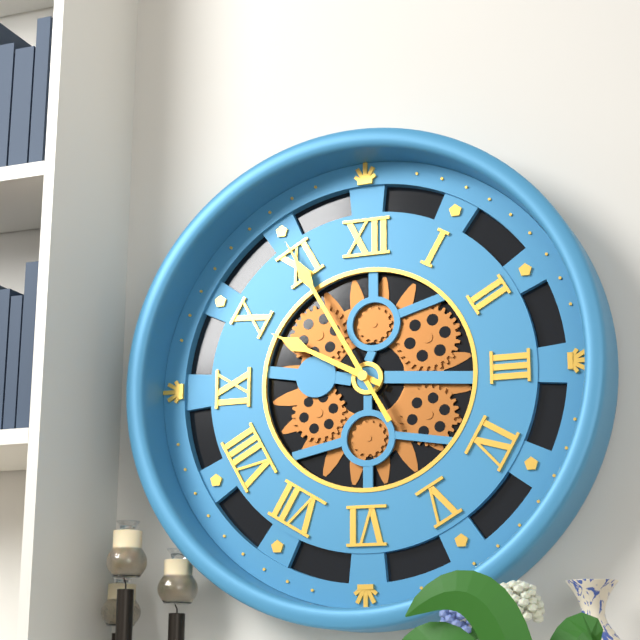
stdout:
**9:55**
